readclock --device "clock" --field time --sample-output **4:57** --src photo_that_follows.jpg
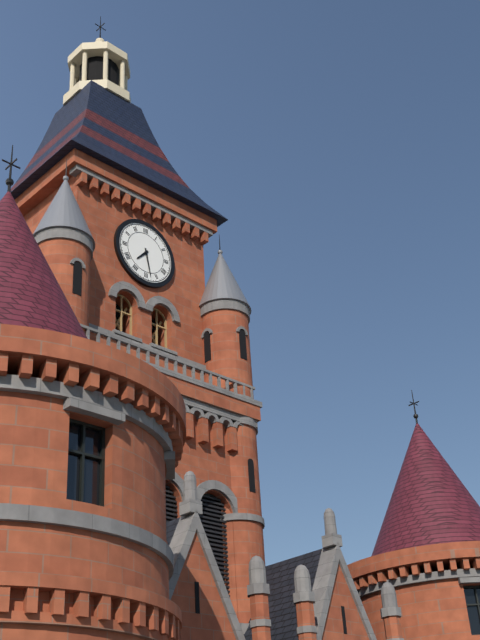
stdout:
**7:28**
